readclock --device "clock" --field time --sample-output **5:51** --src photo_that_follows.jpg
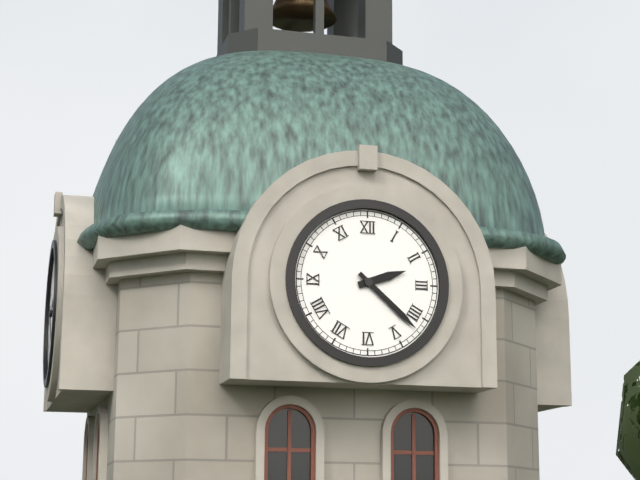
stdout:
**2:22**
